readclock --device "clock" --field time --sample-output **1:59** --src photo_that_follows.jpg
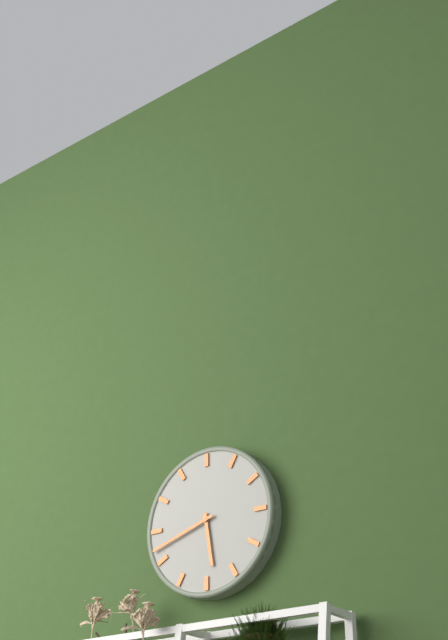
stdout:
**5:42**
